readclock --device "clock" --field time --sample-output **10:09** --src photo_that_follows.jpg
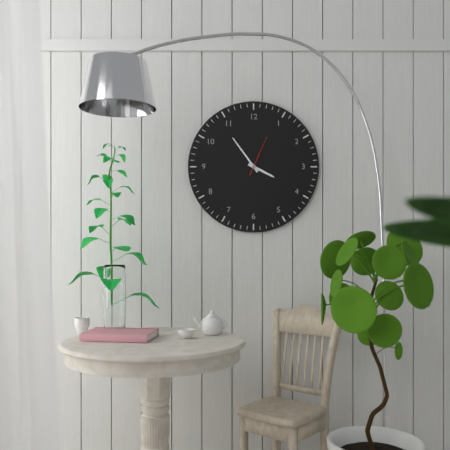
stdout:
**3:54**
